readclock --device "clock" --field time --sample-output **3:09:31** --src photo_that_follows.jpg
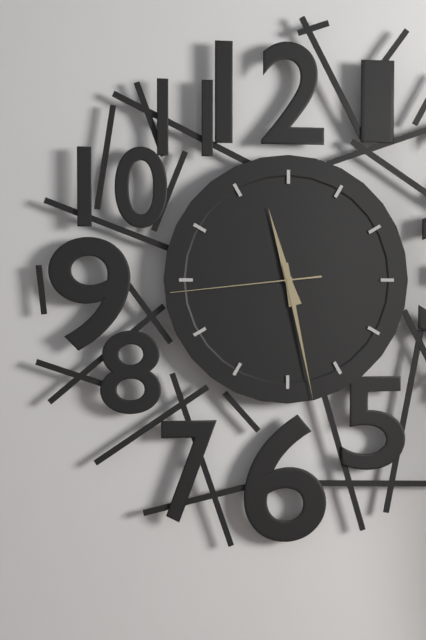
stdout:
**11:28:44**
